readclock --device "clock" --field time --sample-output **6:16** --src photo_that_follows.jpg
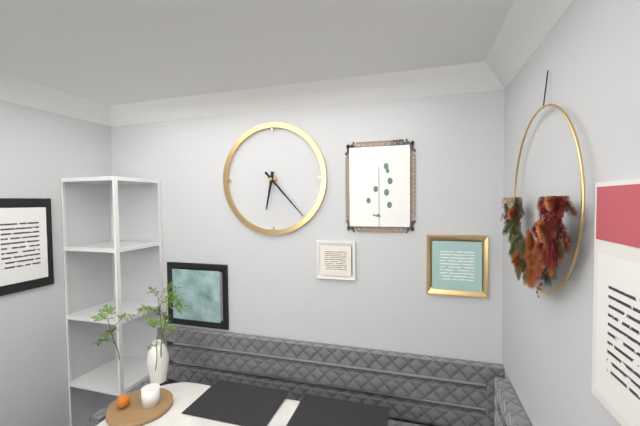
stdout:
**6:23**
